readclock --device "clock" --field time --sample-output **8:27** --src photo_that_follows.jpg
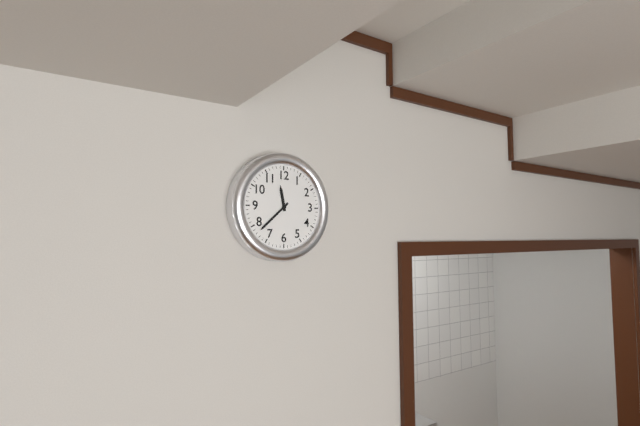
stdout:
**11:38**
